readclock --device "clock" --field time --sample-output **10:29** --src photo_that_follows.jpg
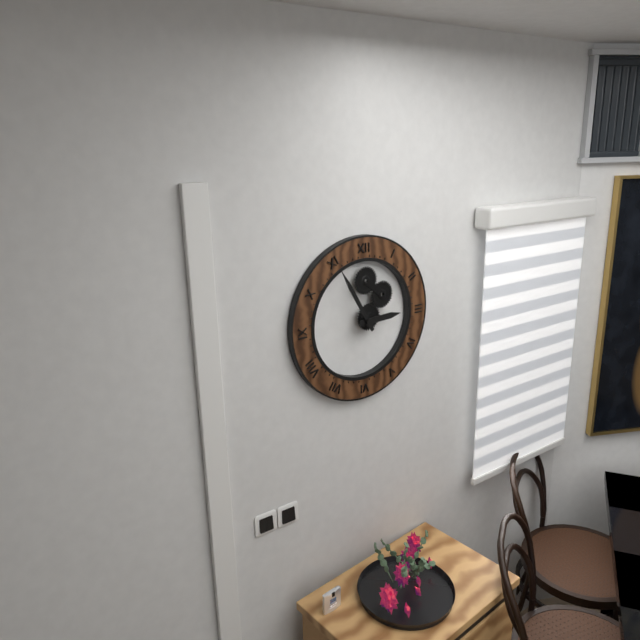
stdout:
**2:55**
